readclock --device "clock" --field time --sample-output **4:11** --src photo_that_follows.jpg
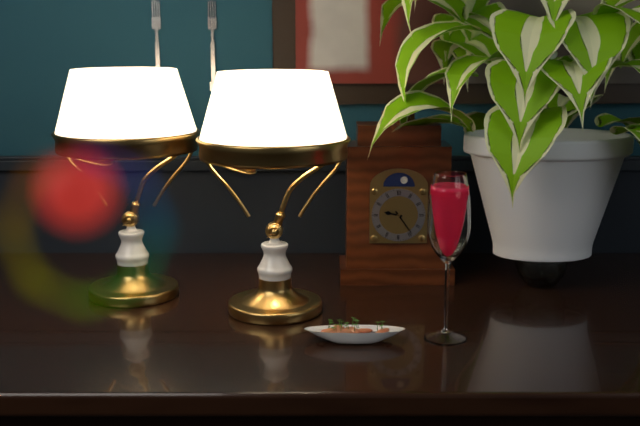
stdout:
**9:24**
